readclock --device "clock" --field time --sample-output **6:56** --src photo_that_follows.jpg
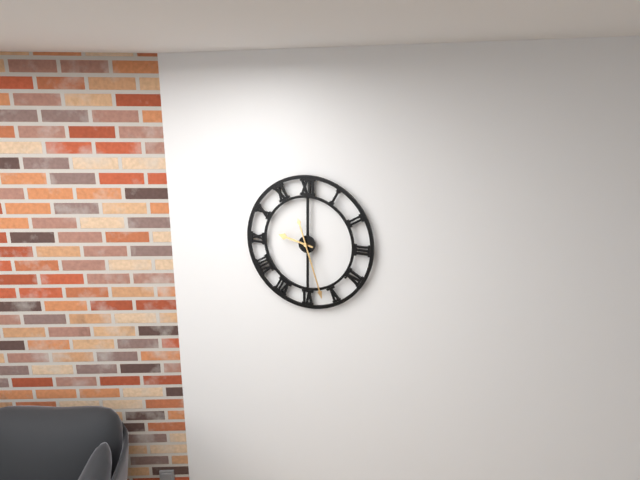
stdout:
**9:27**
